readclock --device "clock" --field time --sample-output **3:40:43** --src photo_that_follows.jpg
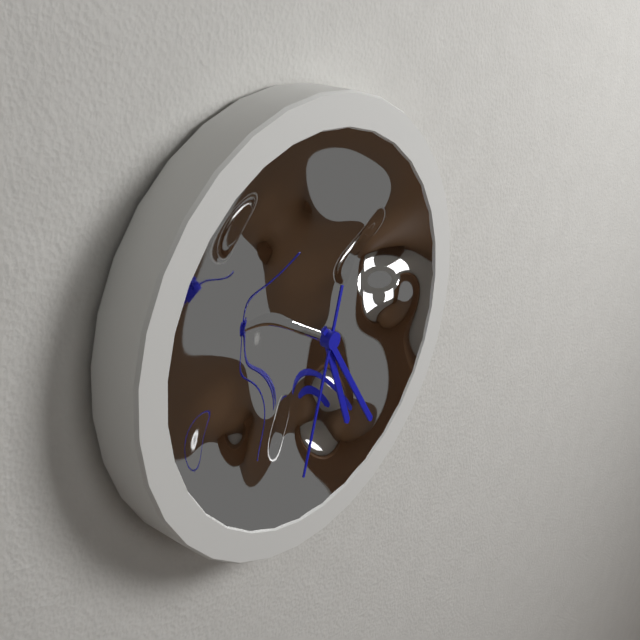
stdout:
**5:25:33**
